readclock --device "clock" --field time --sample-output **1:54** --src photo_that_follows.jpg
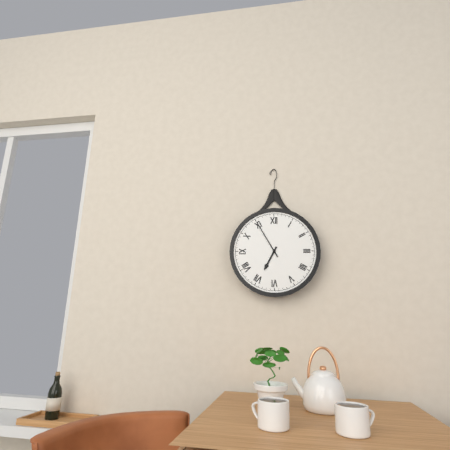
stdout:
**6:55**
